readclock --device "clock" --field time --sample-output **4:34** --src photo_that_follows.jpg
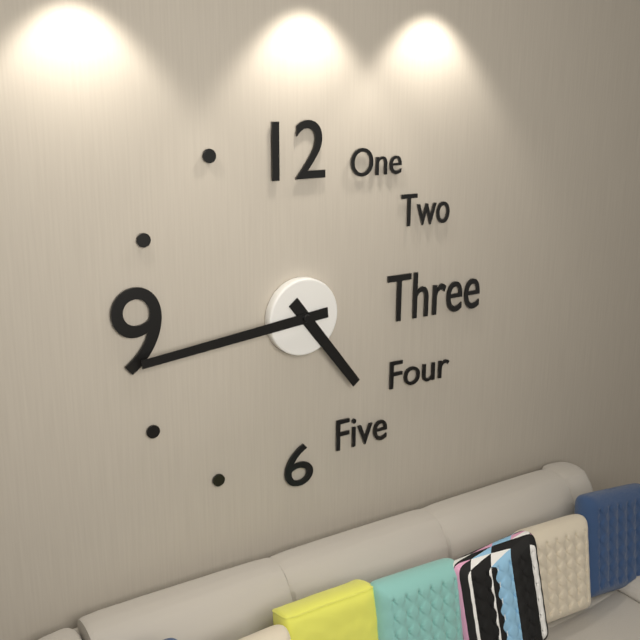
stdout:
**4:44**
